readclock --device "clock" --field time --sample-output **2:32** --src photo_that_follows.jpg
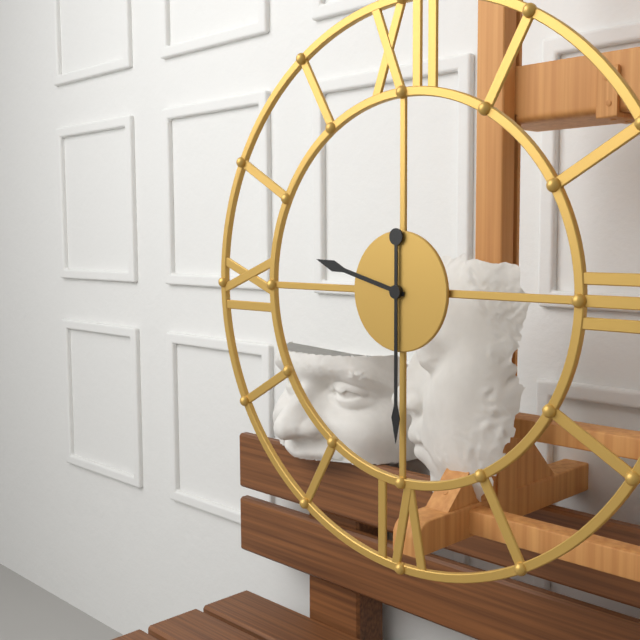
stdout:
**9:30**
